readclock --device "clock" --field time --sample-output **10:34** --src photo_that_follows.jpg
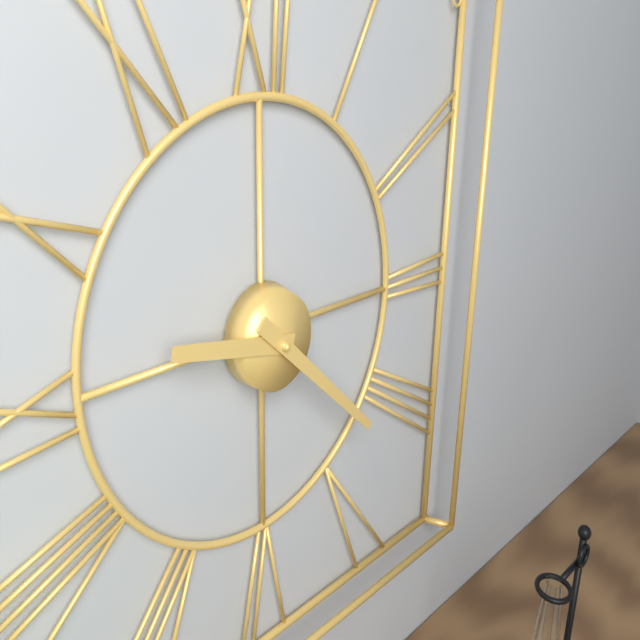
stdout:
**9:22**
